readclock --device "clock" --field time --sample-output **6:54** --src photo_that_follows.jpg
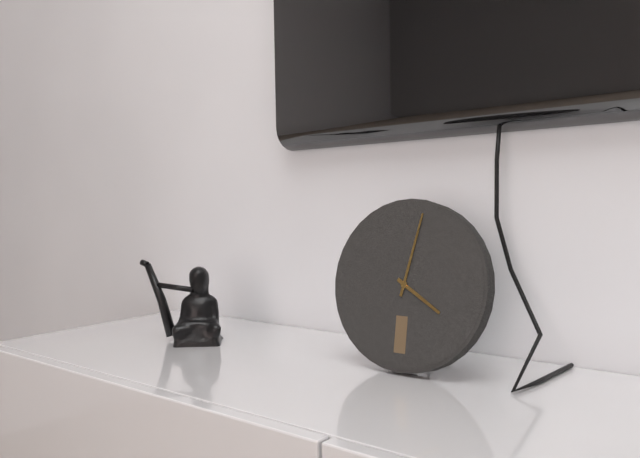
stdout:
**4:02**
